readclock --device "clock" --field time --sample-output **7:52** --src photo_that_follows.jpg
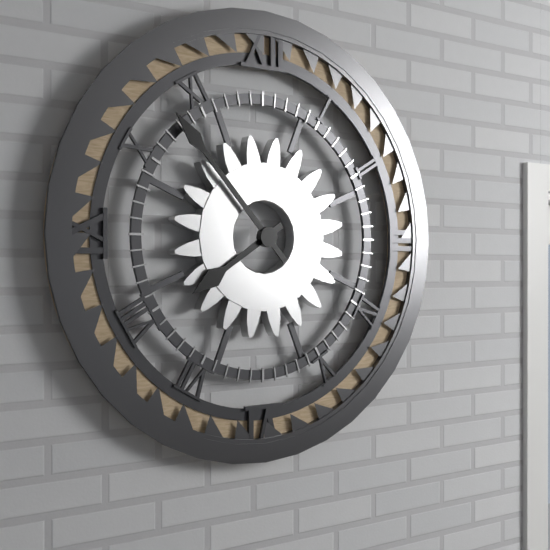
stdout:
**7:53**
